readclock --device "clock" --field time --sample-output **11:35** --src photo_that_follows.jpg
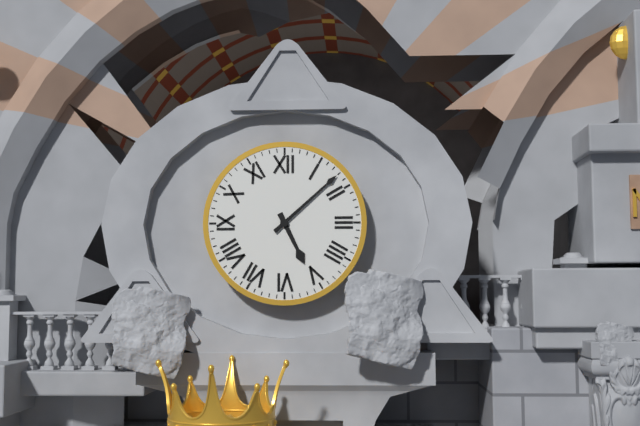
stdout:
**5:08**
